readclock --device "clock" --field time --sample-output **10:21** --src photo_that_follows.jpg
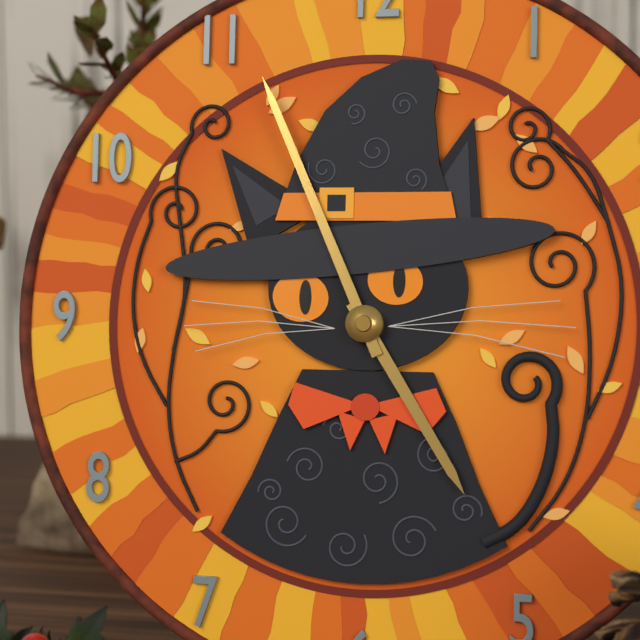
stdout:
**4:56**
